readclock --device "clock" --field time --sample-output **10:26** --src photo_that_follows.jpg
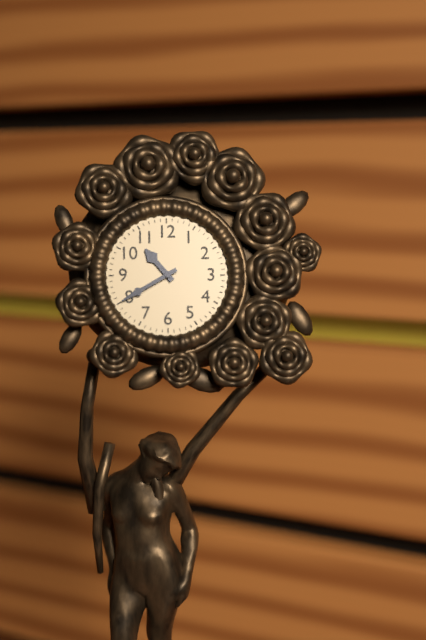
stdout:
**10:40**
